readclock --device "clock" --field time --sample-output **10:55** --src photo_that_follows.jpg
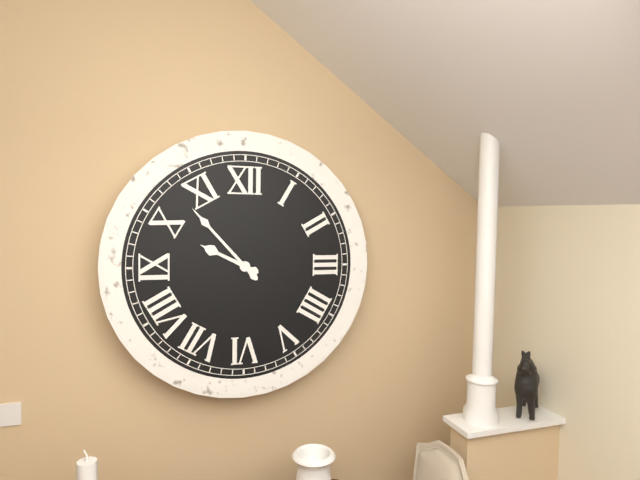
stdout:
**9:53**
